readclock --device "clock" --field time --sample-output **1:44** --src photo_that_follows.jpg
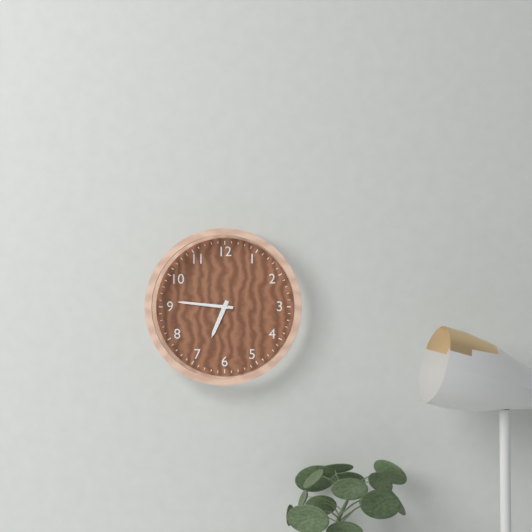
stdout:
**6:46**
